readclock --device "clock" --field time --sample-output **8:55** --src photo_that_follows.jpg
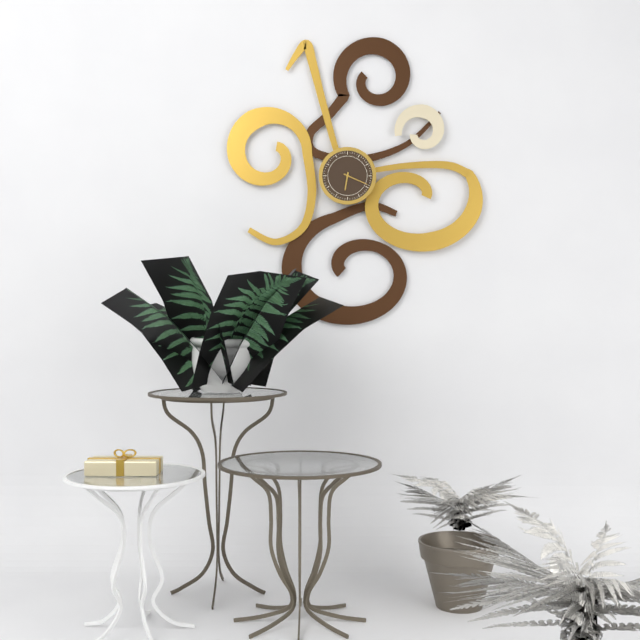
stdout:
**6:19**
